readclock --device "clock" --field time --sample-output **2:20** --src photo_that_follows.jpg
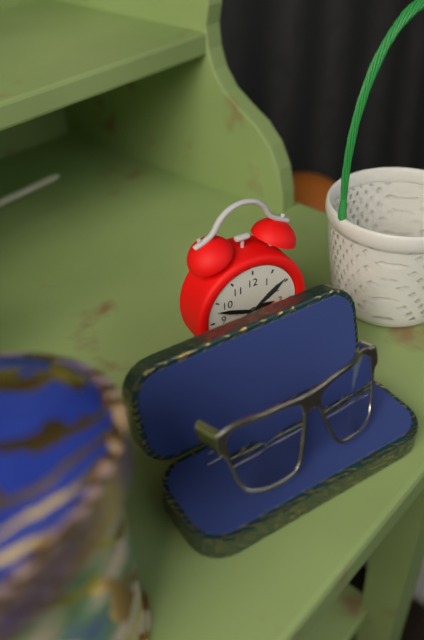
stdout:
**2:48**
